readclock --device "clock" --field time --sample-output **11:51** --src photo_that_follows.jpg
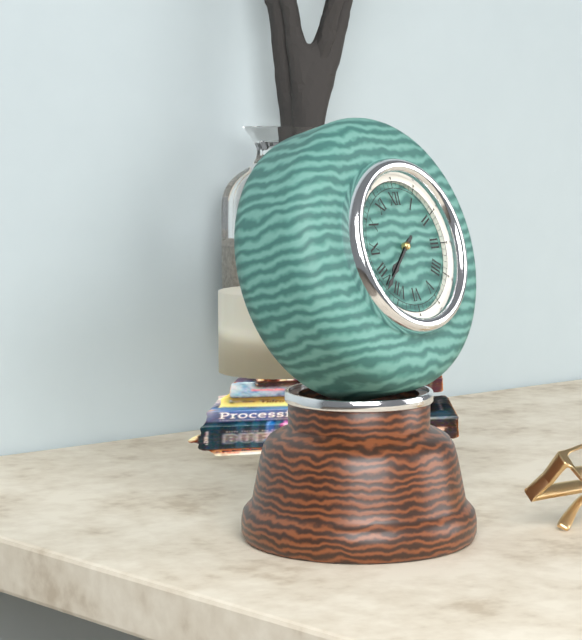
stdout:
**7:38**
